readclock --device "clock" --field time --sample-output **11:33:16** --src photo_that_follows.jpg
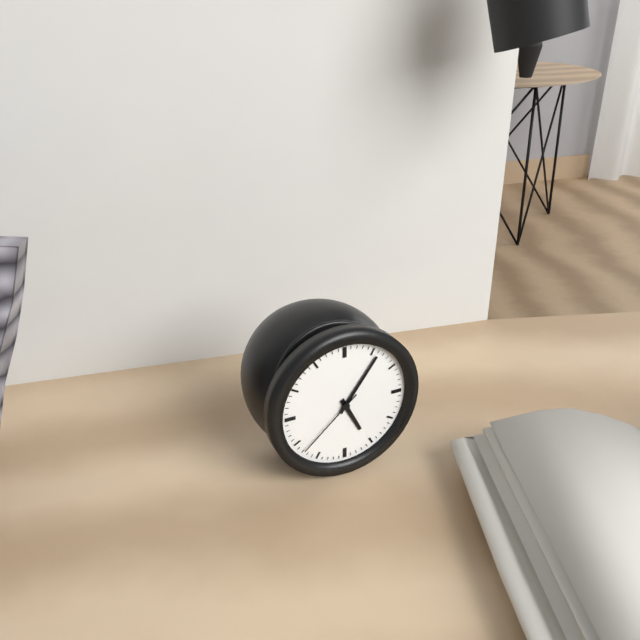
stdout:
**5:06:38**
